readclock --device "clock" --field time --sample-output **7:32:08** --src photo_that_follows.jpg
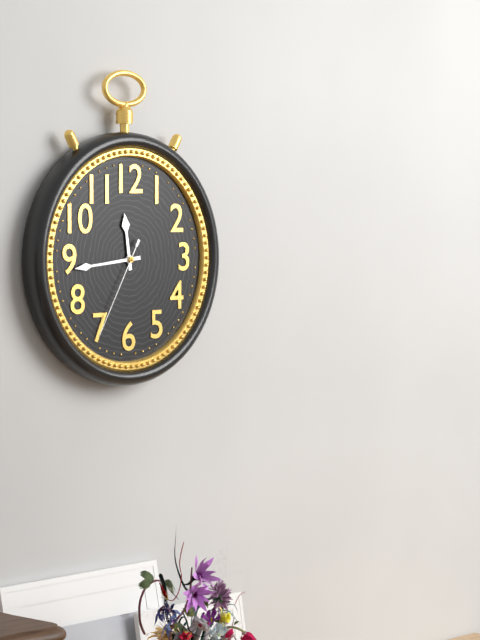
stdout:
**11:44:35**
